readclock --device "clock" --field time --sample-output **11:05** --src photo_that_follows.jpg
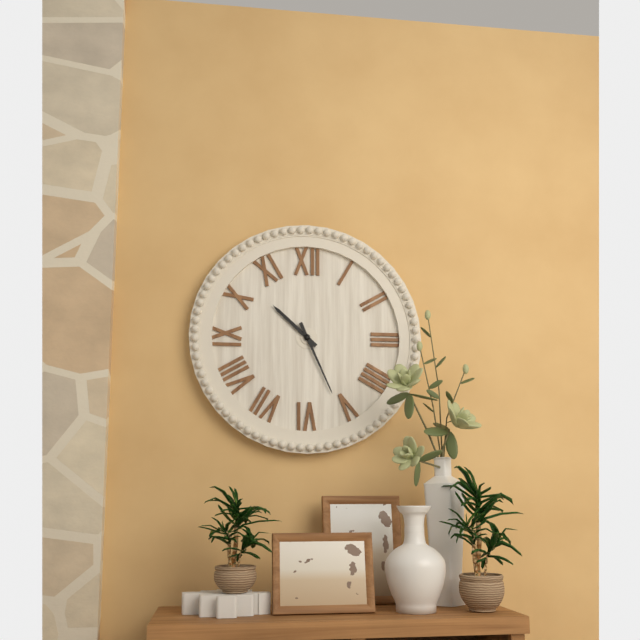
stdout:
**10:26**
